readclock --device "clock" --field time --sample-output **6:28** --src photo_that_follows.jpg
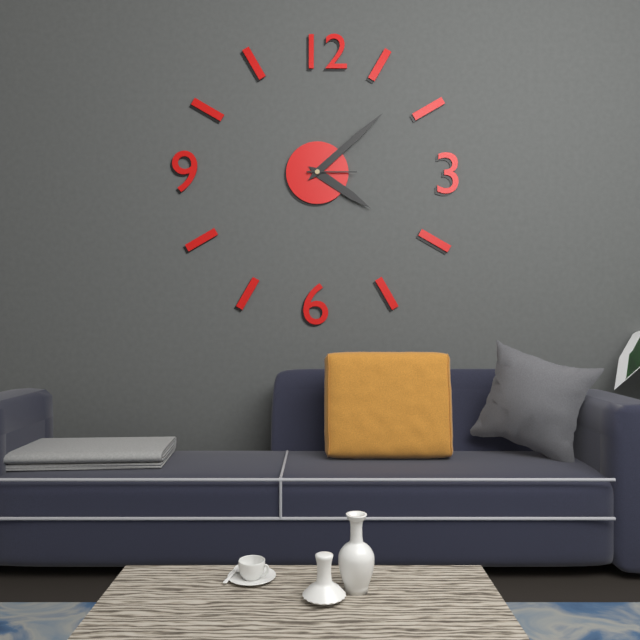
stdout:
**4:08**
